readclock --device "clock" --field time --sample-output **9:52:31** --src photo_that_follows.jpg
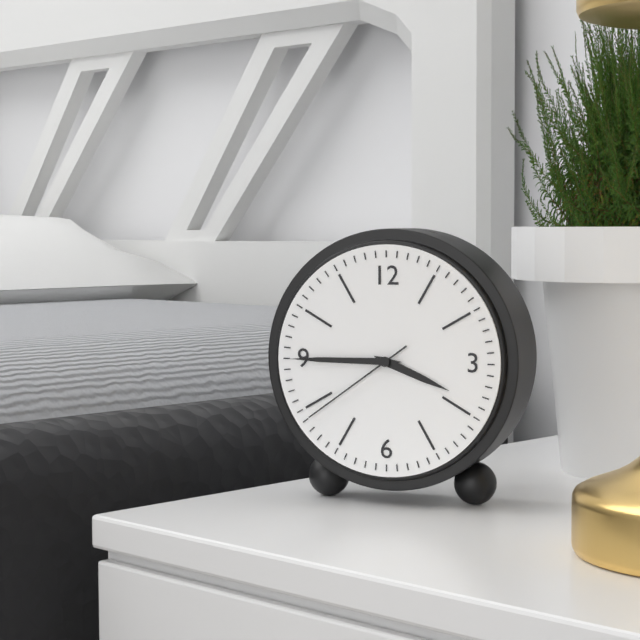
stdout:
**3:45:39**
